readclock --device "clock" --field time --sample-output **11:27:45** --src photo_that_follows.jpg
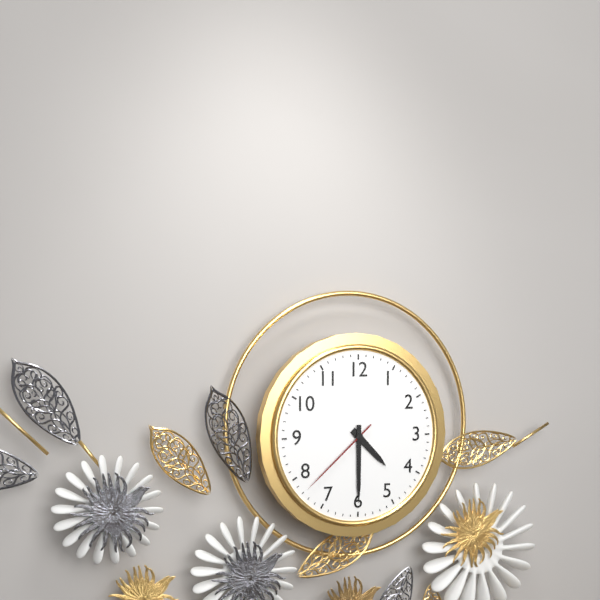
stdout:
**4:30:38**
